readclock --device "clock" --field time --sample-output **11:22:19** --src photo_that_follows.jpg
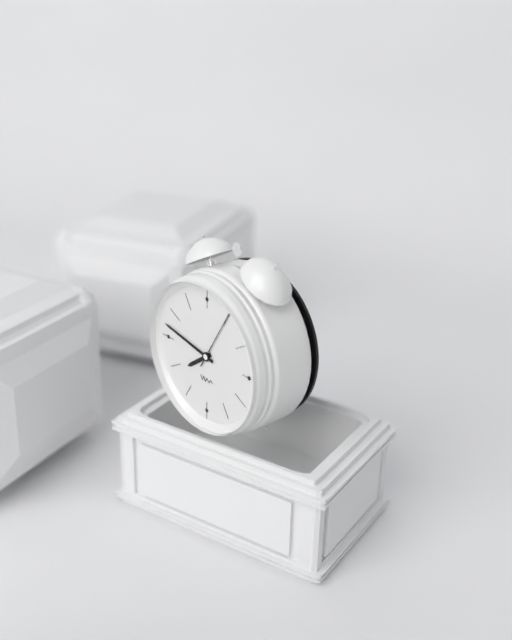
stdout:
**7:47:05**
